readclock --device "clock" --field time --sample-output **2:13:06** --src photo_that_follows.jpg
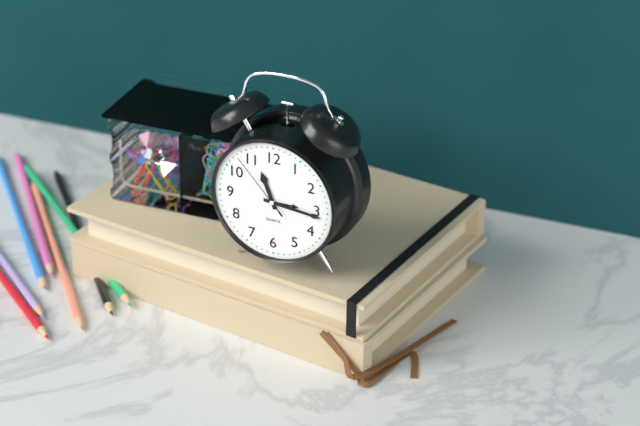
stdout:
**11:16:53**
